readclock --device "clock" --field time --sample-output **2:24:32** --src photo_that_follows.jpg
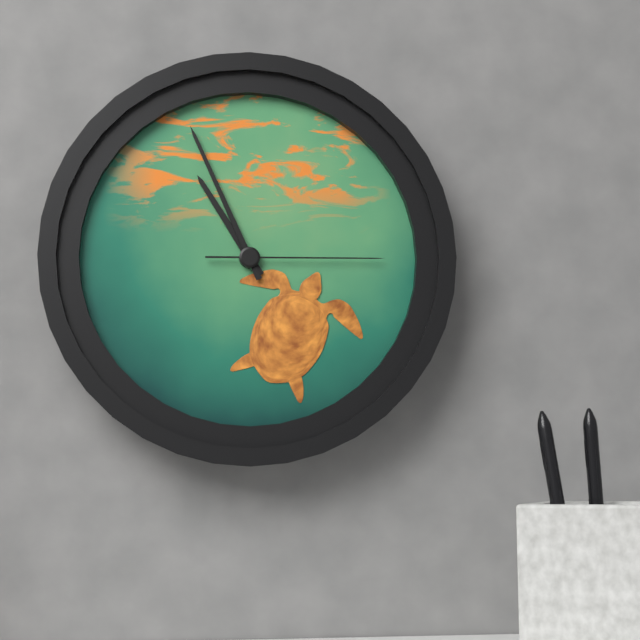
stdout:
**10:56:15**
